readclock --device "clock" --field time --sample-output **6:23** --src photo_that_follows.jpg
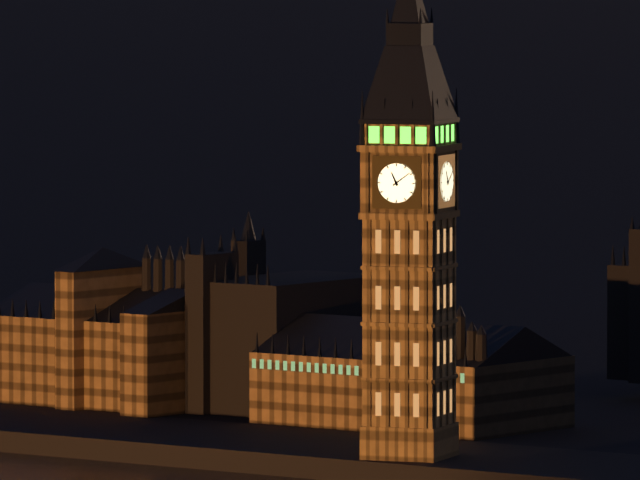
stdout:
**11:09**
